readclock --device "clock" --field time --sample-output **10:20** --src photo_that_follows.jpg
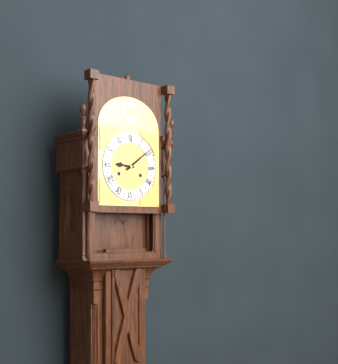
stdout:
**9:09**
